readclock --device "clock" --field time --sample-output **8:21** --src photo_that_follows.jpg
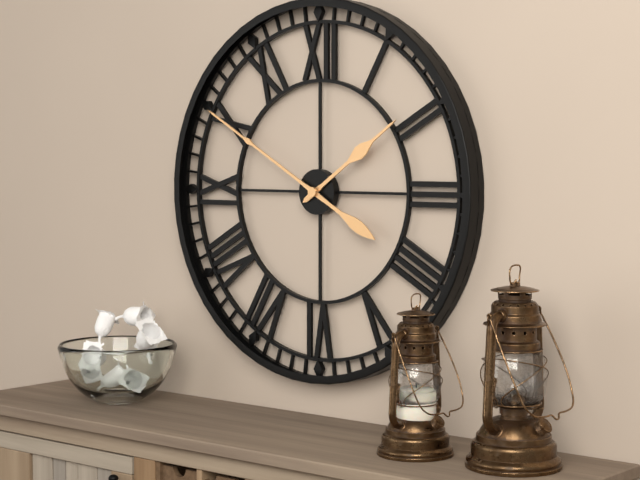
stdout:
**1:50**
